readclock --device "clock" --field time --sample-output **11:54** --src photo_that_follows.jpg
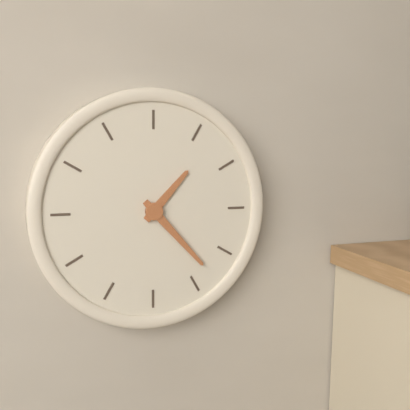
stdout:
**1:23**
